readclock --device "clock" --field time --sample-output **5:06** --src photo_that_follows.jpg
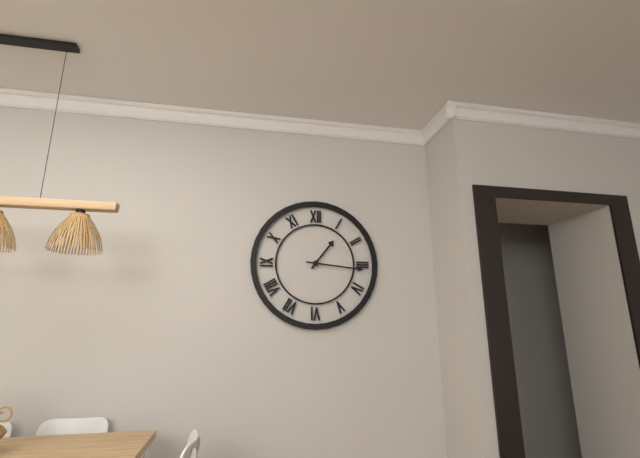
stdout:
**1:16**
